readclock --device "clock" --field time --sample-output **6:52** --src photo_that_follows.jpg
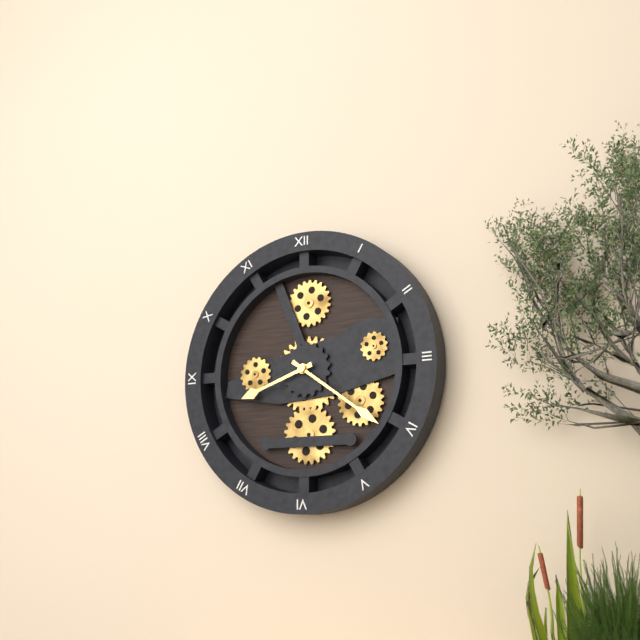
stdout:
**8:21**
